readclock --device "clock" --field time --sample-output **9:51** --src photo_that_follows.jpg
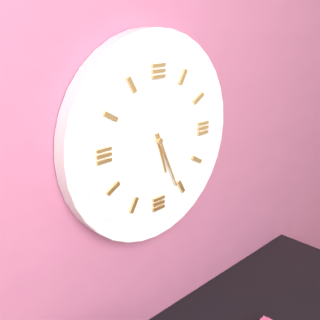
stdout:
**5:26**
